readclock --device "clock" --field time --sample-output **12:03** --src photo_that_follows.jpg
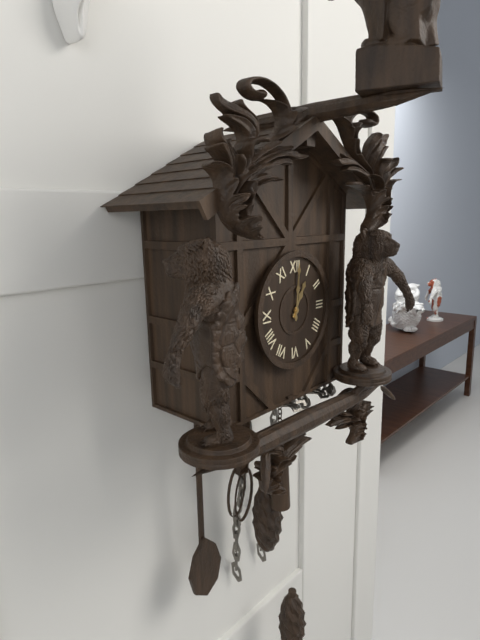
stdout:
**1:01**
